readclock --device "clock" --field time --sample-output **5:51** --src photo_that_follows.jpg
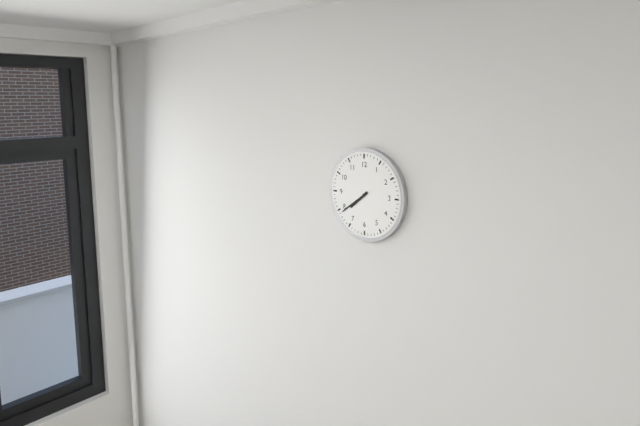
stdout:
**7:39**
